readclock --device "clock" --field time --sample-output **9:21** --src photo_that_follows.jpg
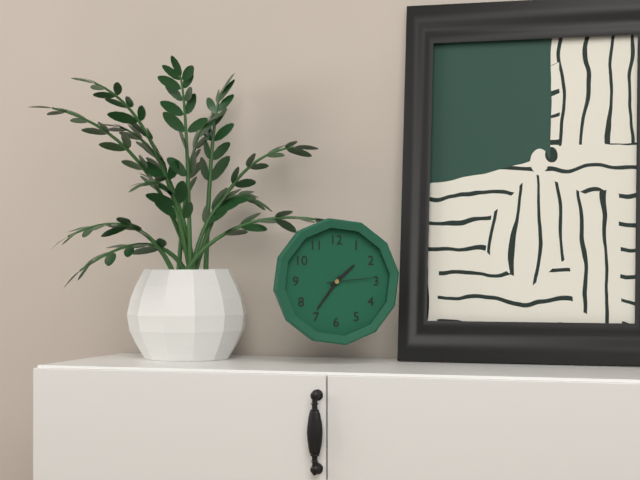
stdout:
**1:36**
